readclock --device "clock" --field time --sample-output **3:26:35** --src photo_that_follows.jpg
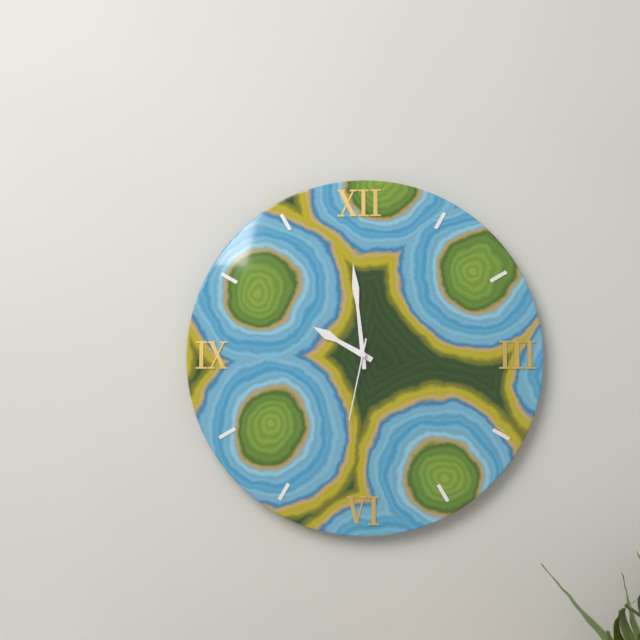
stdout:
**9:59:32**
